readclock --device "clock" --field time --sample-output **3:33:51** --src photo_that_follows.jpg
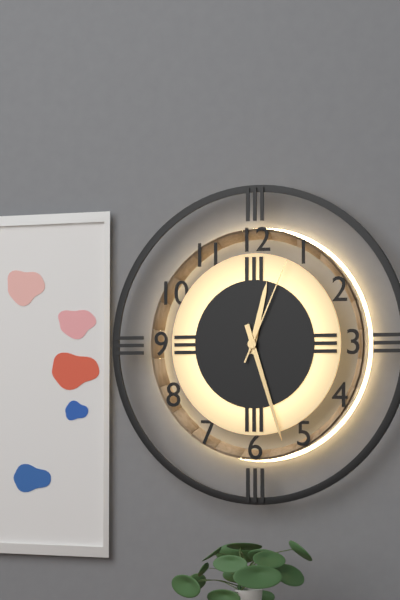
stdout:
**12:27:04**
